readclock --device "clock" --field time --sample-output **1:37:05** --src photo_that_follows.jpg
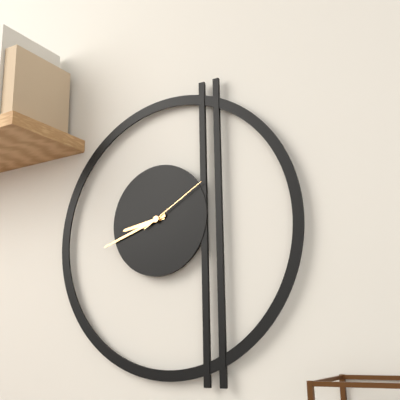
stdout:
**8:42:10**
